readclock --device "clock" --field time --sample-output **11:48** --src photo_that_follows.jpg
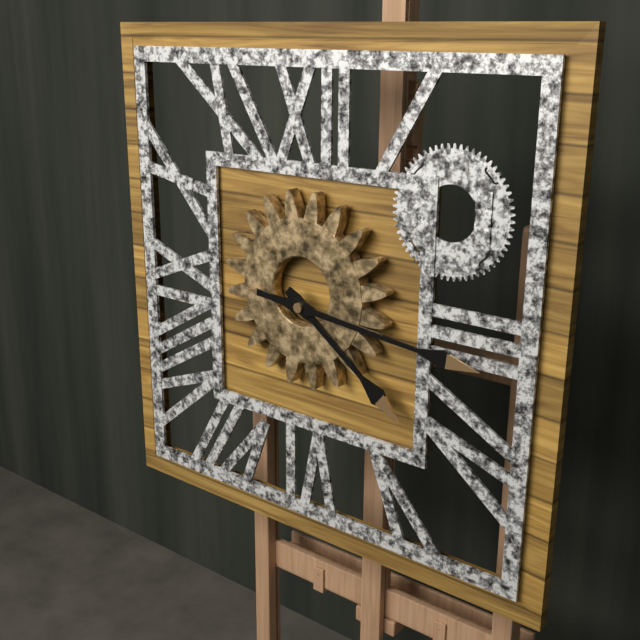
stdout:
**4:16**
